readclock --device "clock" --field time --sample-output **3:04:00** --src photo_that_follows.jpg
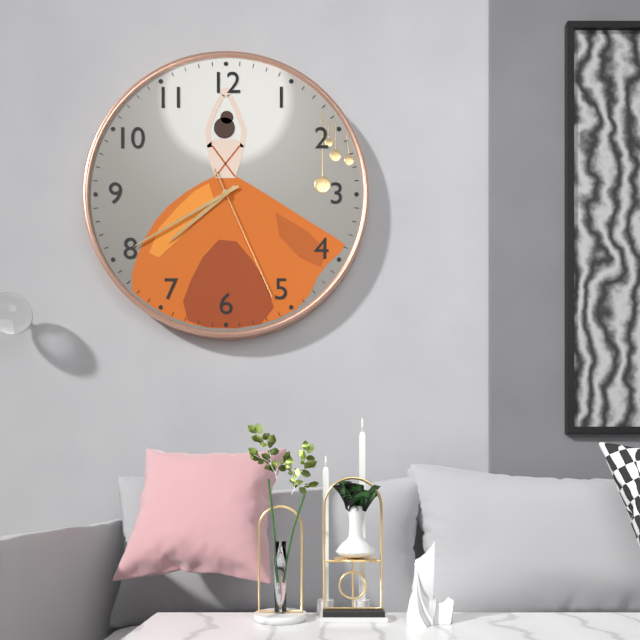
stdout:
**7:40:26**
